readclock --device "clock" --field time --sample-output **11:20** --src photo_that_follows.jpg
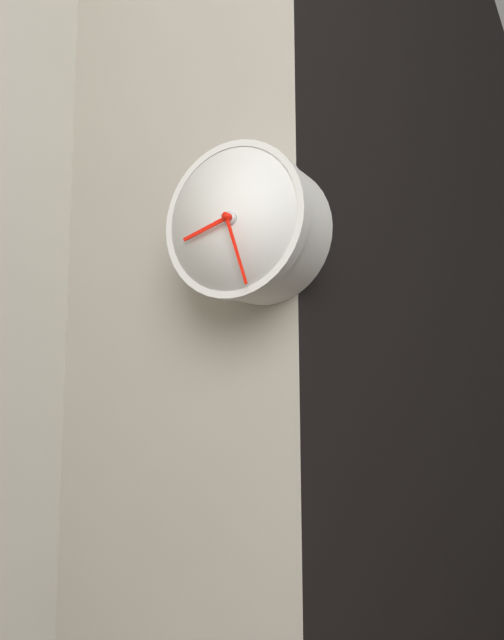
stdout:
**8:27**
